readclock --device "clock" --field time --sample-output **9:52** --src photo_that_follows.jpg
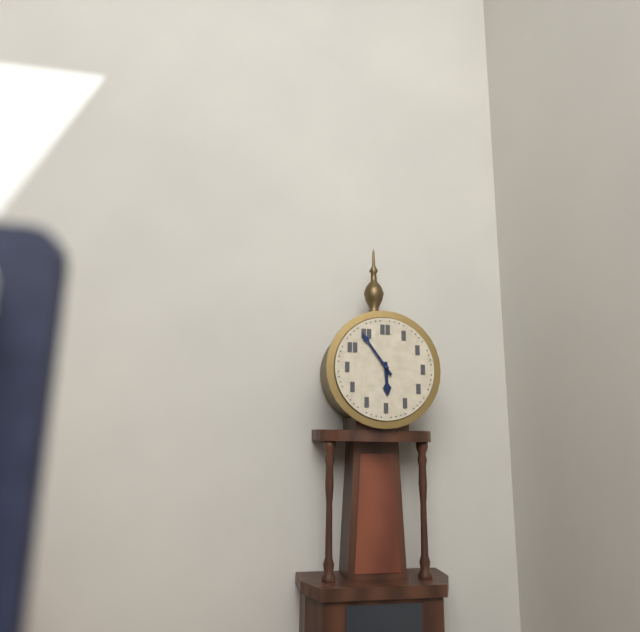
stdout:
**5:54**
